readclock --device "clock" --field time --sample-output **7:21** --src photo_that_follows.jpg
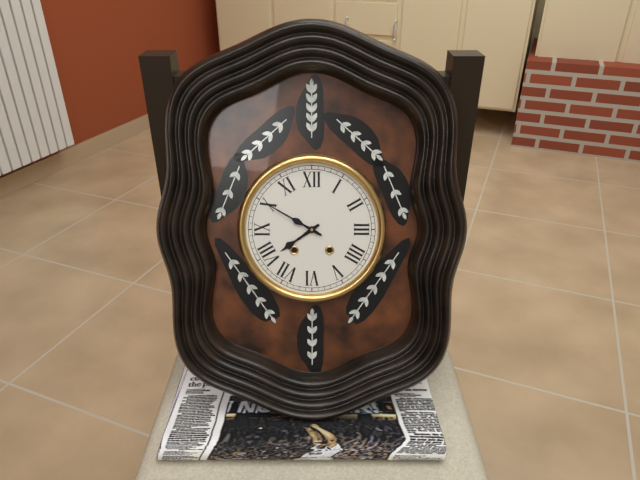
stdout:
**7:50**
